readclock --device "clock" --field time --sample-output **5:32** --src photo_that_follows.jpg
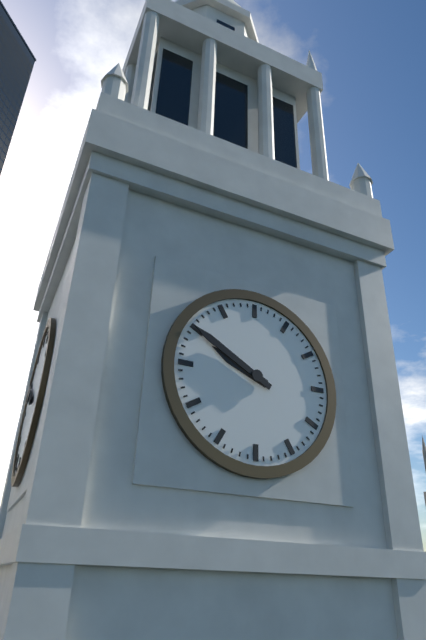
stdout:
**9:50**
